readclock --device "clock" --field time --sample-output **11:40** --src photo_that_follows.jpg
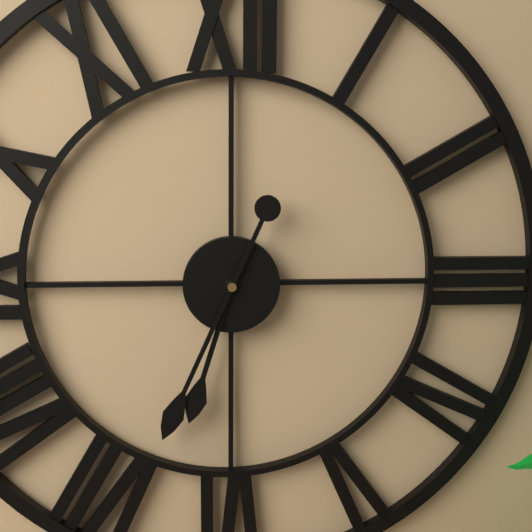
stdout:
**6:34**
